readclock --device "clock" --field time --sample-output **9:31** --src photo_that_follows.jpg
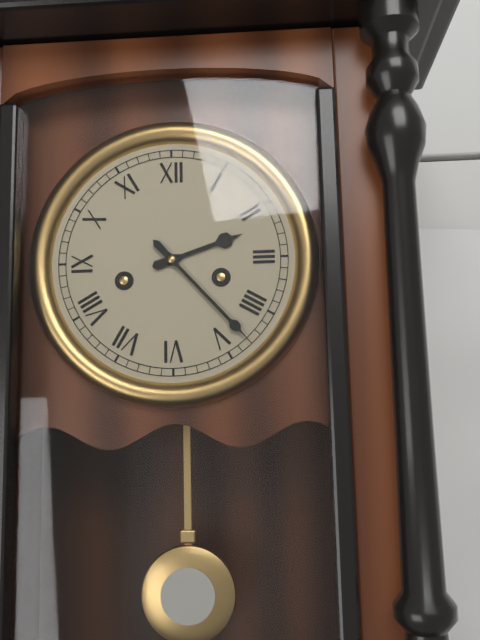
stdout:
**2:23**
